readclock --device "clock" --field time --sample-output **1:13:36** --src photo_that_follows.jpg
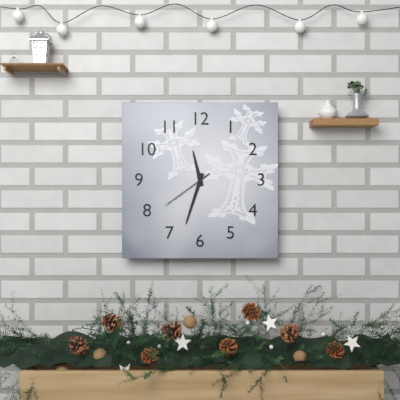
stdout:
**11:33:39**
